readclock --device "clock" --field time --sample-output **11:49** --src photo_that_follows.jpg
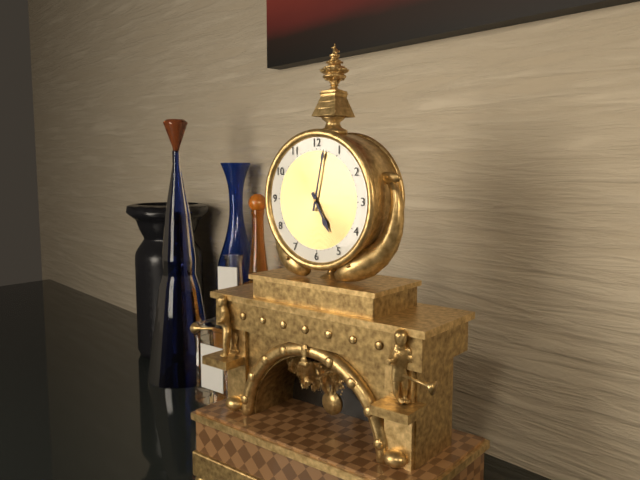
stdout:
**5:02**
